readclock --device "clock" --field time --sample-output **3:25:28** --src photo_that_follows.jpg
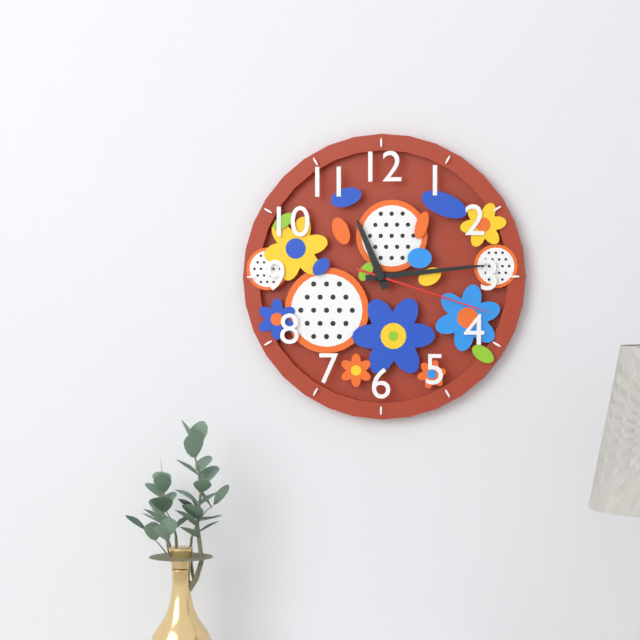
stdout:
**11:14:18**
